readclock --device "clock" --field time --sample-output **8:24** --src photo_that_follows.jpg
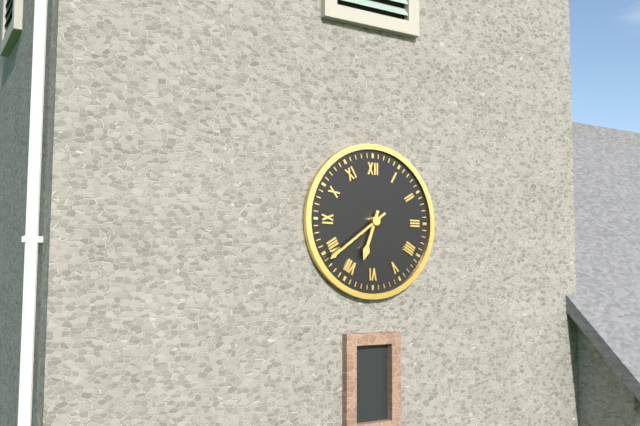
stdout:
**6:39**
